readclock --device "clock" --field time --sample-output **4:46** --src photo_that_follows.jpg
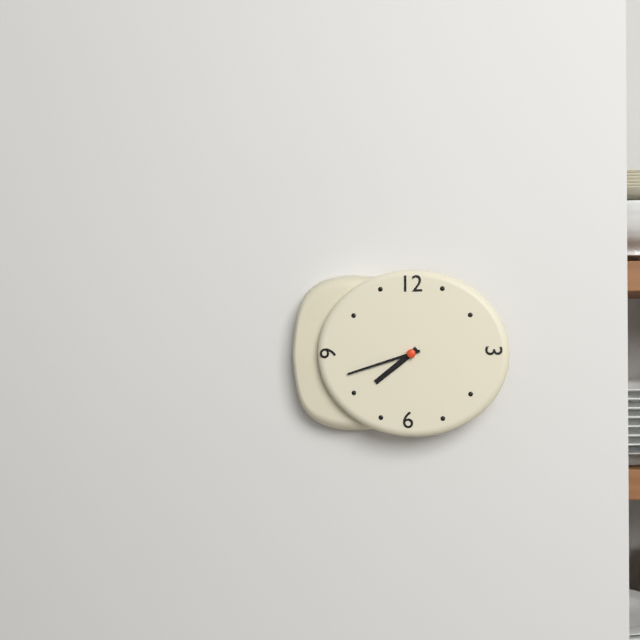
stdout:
**7:42**
